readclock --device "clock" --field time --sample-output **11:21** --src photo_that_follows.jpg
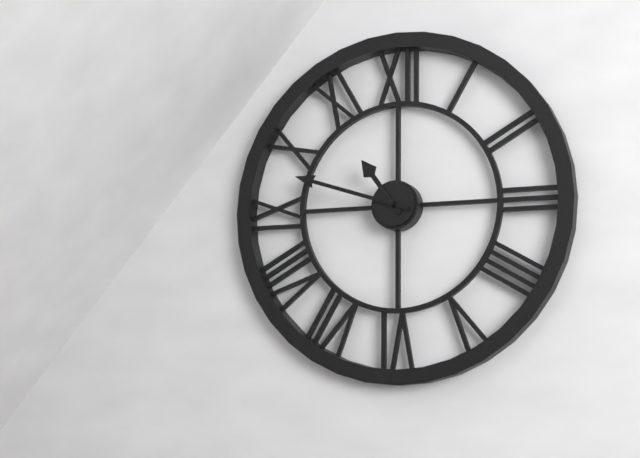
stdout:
**10:48**
